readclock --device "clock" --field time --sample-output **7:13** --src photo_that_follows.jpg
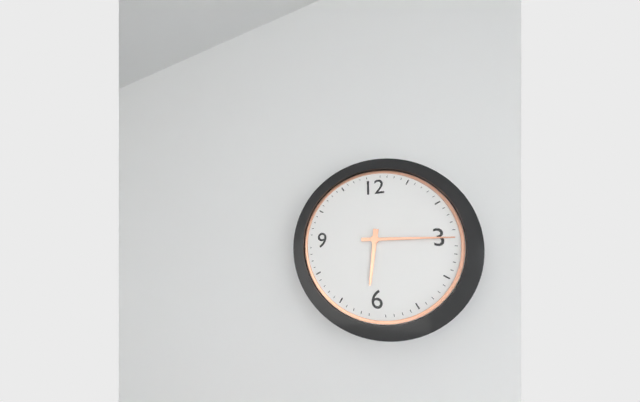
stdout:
**6:15**
